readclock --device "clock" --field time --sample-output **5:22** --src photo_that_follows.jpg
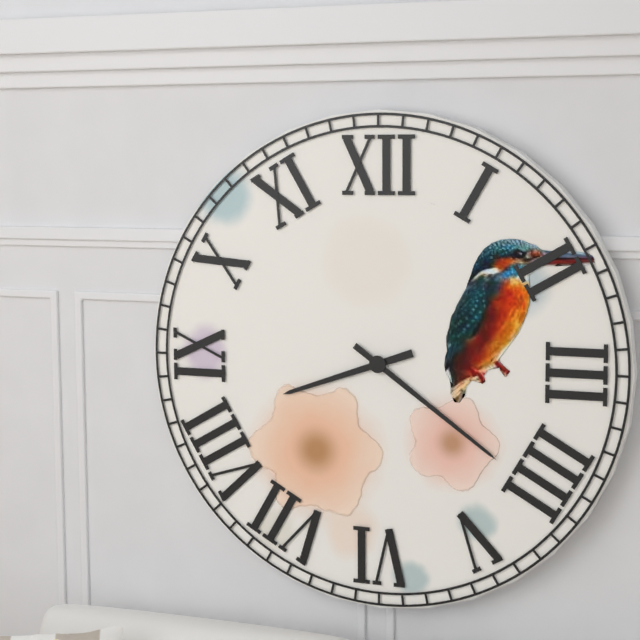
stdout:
**8:21**
